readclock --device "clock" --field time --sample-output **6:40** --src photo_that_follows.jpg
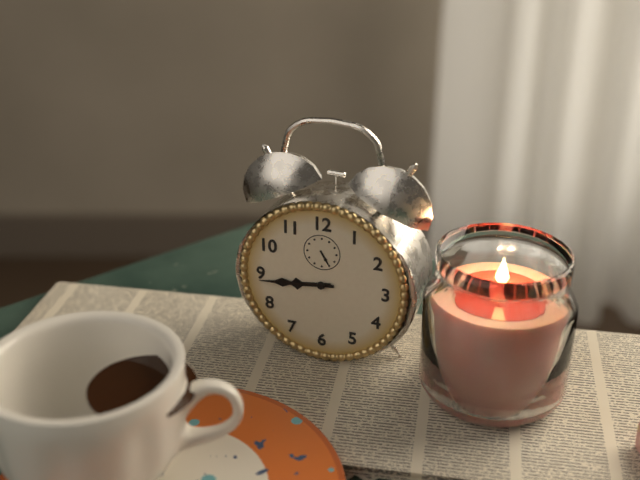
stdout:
**8:44**
